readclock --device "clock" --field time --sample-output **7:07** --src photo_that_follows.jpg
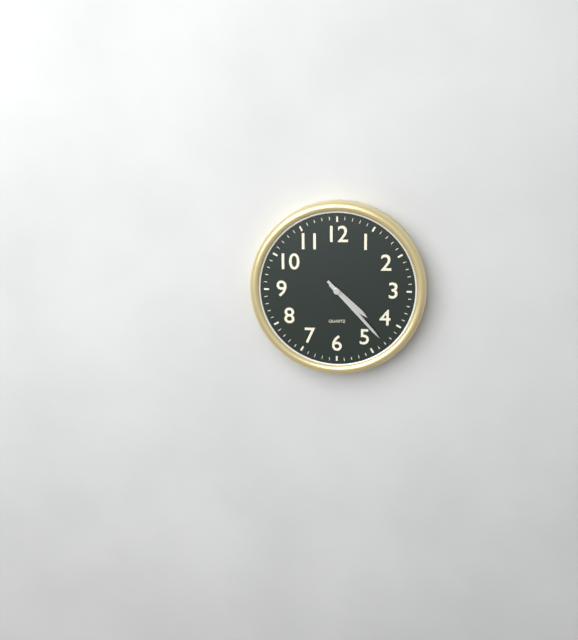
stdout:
**4:23**
